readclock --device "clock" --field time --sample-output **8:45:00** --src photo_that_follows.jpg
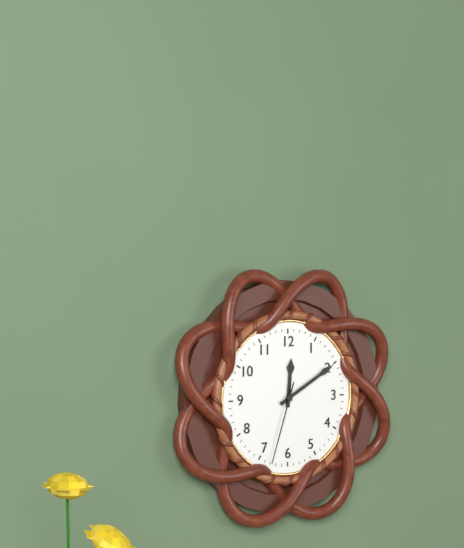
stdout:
**12:10:33**
